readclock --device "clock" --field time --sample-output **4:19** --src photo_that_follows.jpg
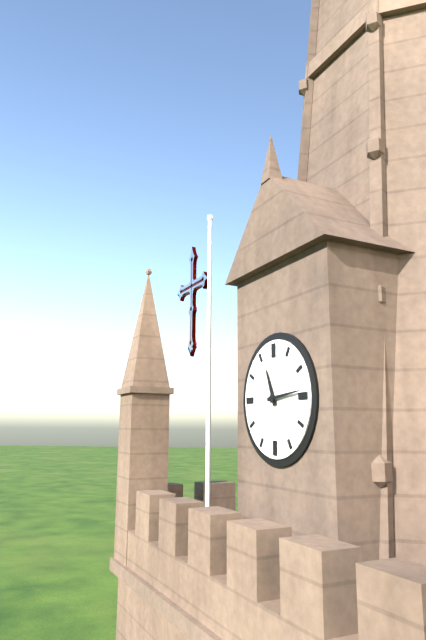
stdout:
**11:14**
